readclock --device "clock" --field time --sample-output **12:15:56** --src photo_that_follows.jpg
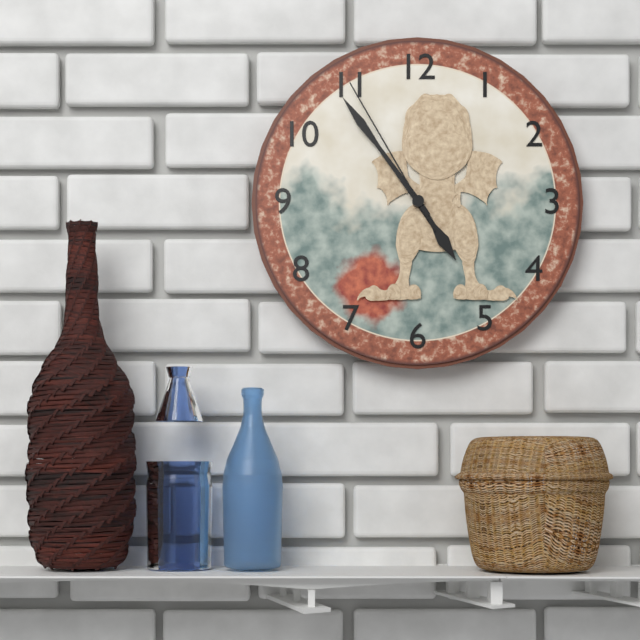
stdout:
**4:54:55**
